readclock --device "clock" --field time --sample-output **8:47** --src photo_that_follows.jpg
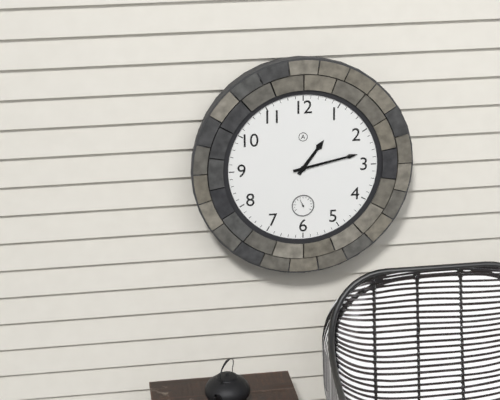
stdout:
**1:13**
